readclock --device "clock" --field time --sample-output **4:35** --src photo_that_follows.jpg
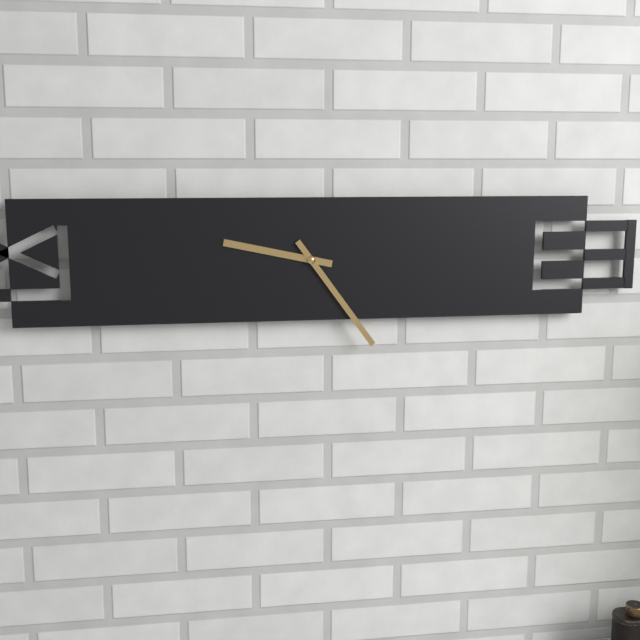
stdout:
**9:24**
